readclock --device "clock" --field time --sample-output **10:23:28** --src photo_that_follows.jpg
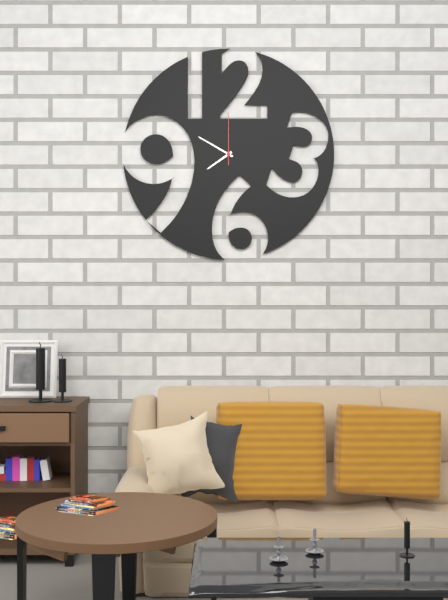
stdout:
**7:50:00**
